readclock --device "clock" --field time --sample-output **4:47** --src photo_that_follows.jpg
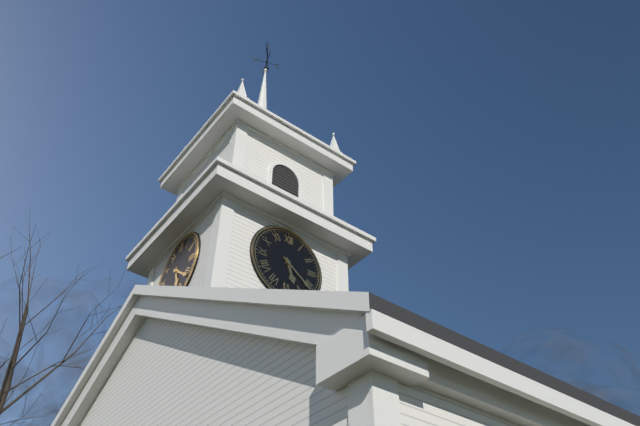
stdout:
**5:21**
